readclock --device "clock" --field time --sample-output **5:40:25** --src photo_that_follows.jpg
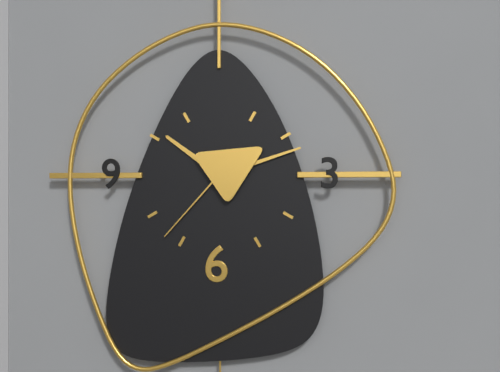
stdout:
**10:12:37**
